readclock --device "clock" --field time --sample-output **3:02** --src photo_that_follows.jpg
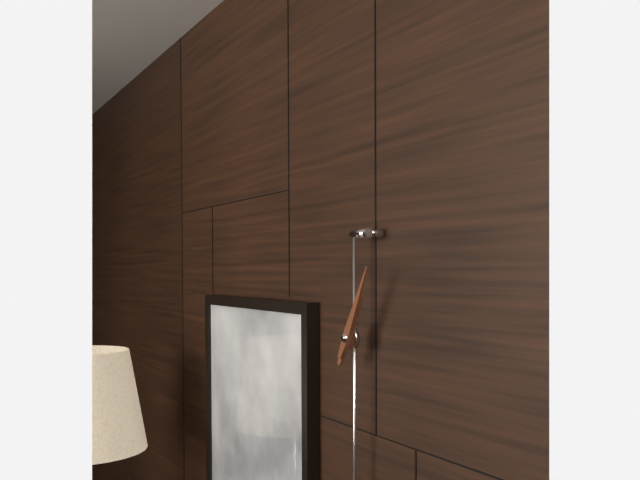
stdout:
**1:05**
